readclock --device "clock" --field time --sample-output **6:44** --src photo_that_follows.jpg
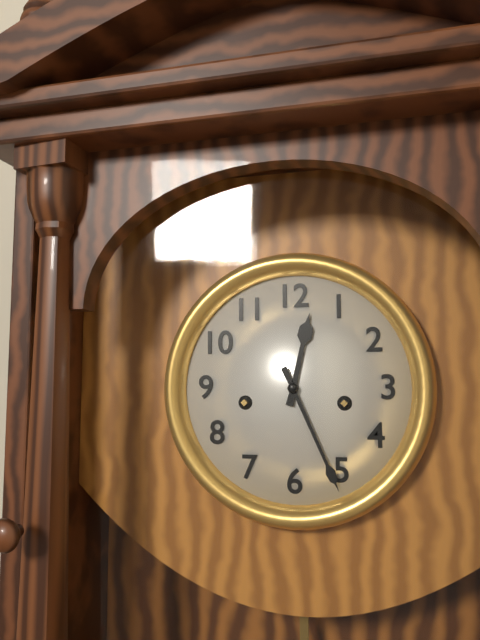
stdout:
**12:26**
